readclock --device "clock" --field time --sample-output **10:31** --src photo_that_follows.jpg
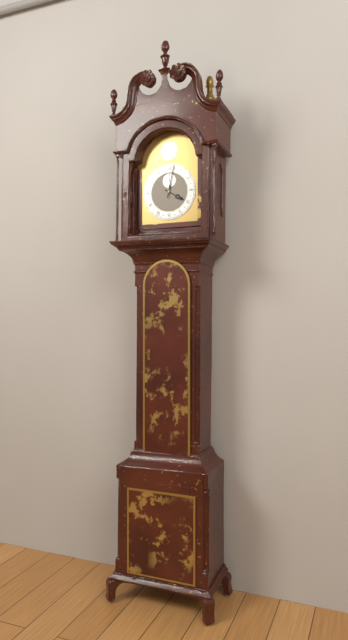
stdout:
**4:02**
